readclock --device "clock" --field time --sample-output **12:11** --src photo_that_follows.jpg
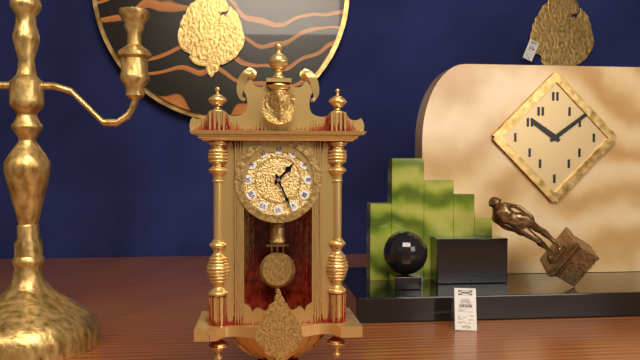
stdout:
**1:26**
